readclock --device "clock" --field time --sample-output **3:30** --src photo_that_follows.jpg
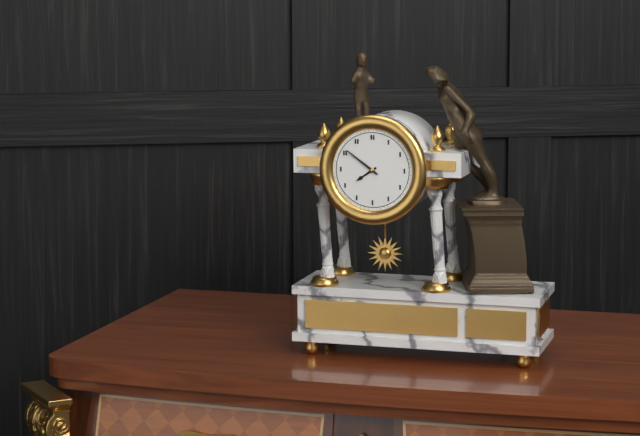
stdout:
**7:51**
